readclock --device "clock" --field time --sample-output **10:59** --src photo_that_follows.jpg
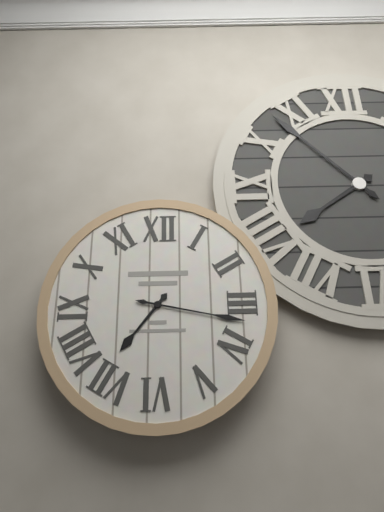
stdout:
**7:17**
